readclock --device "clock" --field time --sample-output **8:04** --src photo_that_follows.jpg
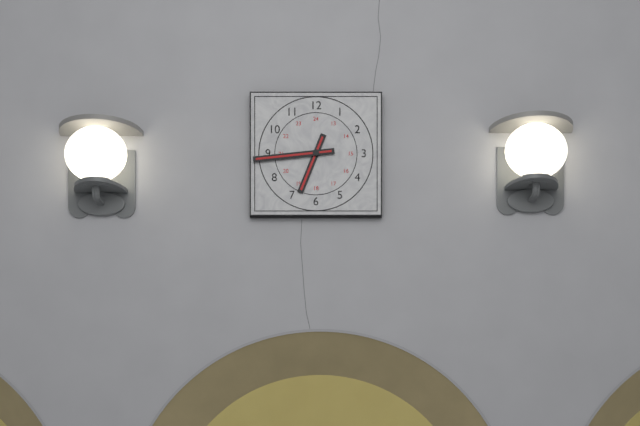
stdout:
**6:44**
